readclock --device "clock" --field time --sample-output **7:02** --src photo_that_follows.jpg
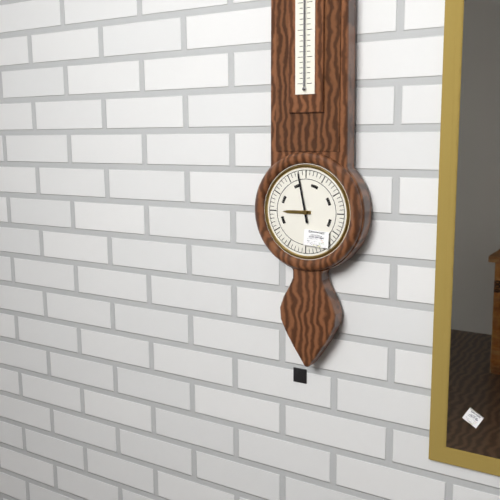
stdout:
**8:58**
